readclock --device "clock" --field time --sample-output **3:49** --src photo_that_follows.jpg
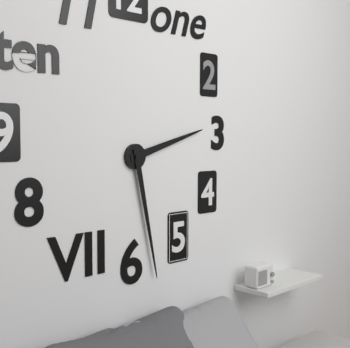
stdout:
**2:28**
